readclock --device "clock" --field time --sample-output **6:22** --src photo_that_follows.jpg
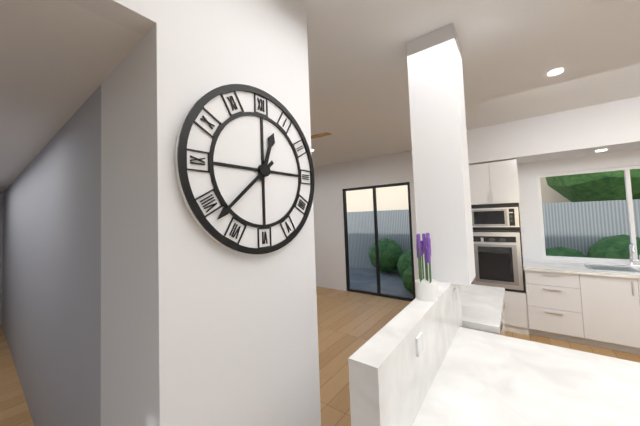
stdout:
**12:38**
